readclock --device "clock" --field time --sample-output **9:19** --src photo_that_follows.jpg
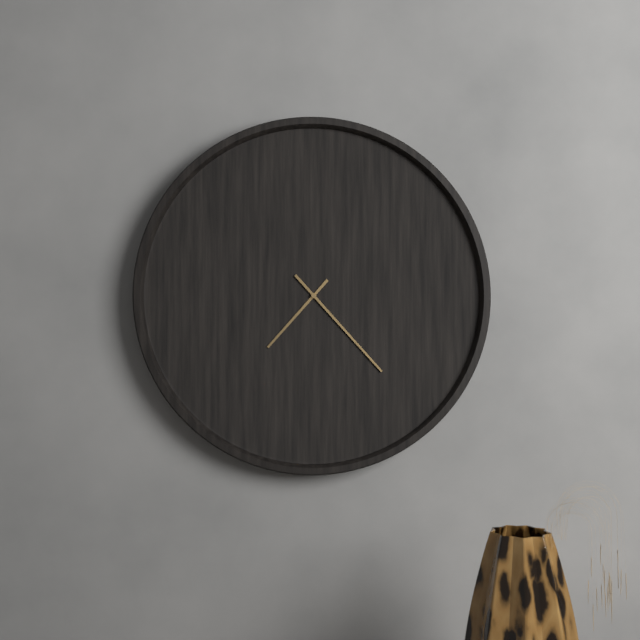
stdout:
**7:23**
